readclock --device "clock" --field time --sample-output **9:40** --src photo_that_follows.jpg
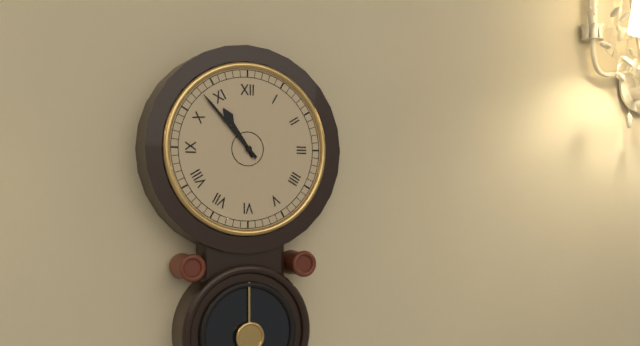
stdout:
**10:53**
